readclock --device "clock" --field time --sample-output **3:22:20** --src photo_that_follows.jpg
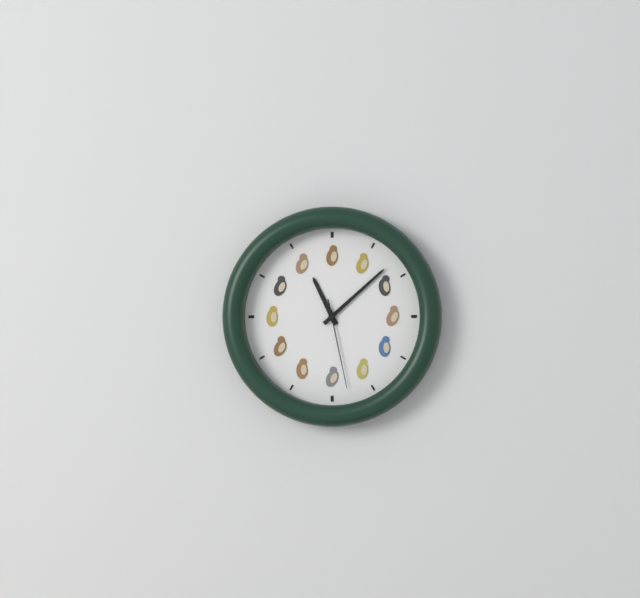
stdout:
**11:08:28**
